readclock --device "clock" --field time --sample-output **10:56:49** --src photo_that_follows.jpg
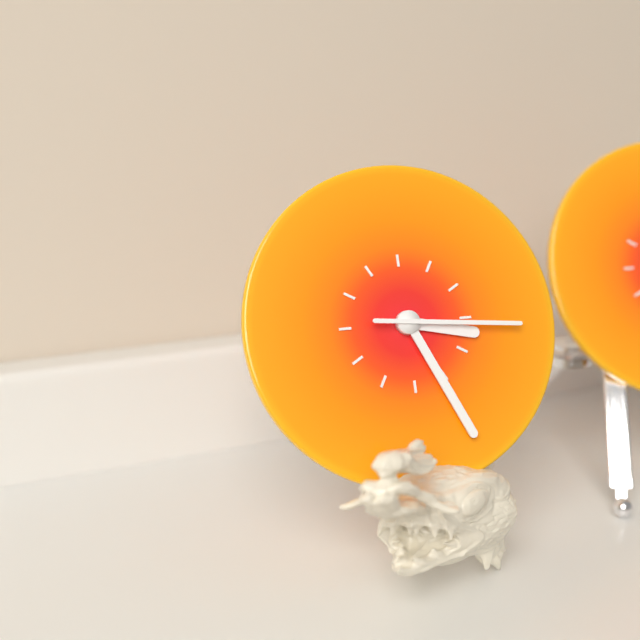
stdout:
**3:26:16**
